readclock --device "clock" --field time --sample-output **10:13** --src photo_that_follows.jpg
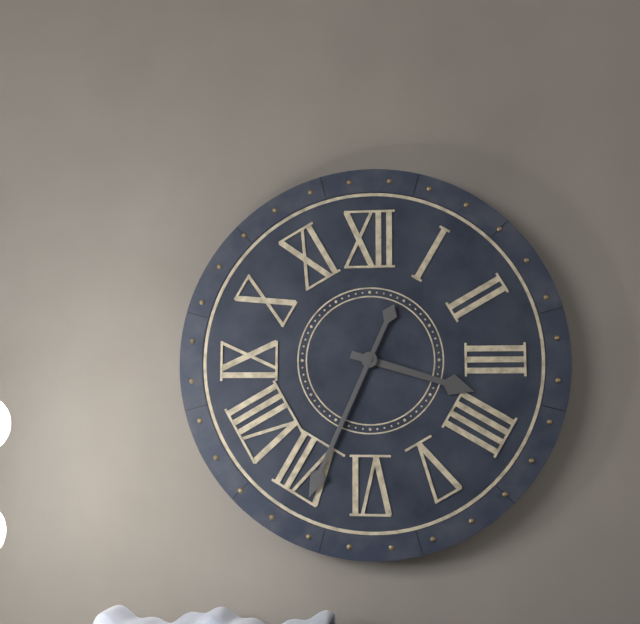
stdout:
**3:34**
